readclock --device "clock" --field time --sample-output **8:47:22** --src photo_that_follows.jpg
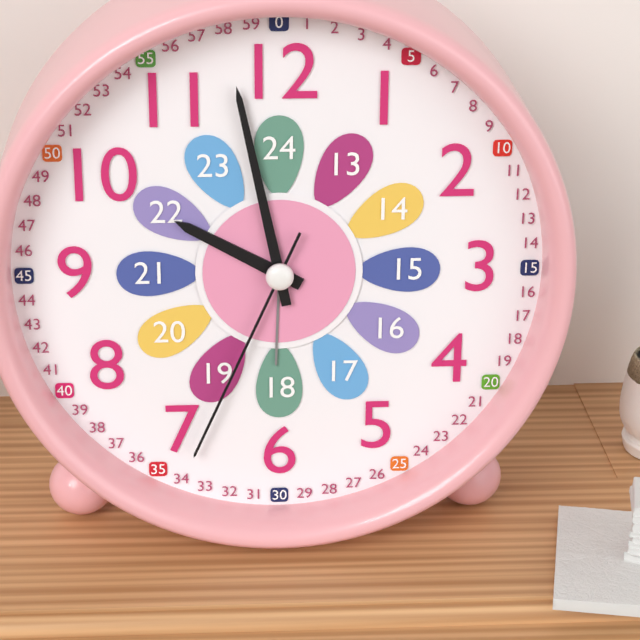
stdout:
**9:58:34**
